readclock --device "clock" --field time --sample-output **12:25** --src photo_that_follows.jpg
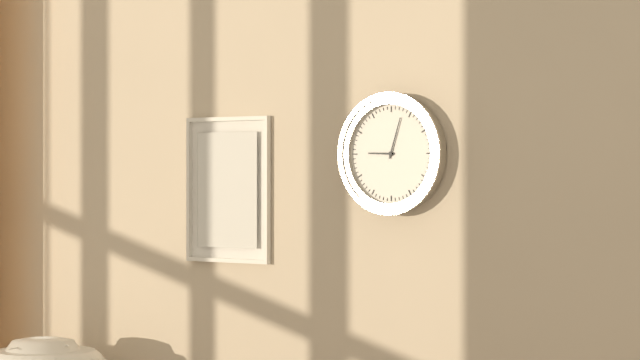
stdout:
**9:03**
